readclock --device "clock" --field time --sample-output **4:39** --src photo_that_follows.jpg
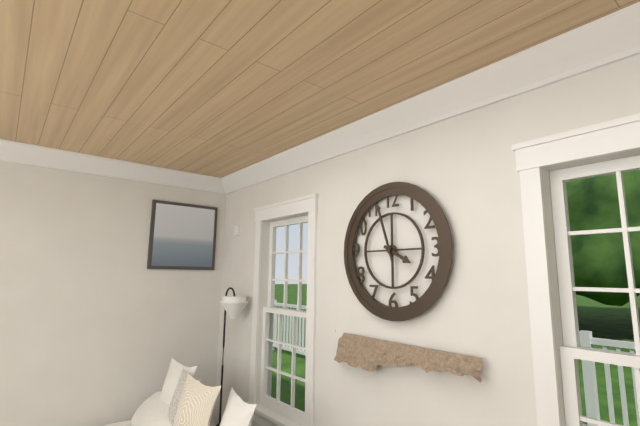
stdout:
**3:57**
